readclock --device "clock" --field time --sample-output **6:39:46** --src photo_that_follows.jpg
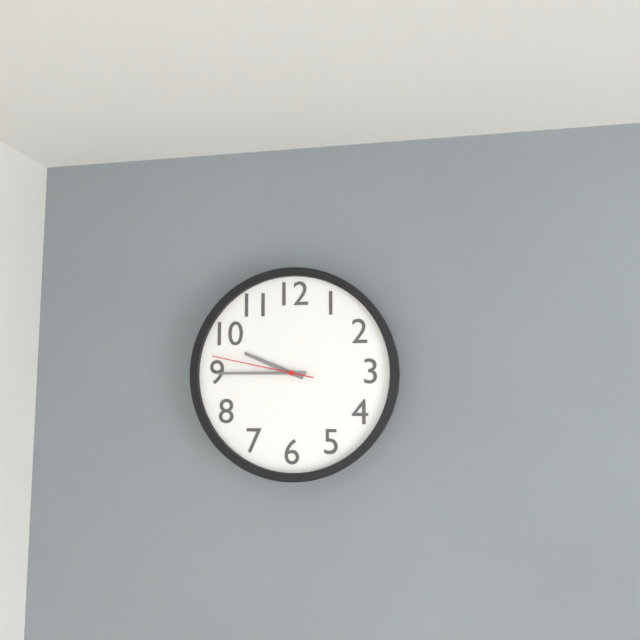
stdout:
**9:45:47**
